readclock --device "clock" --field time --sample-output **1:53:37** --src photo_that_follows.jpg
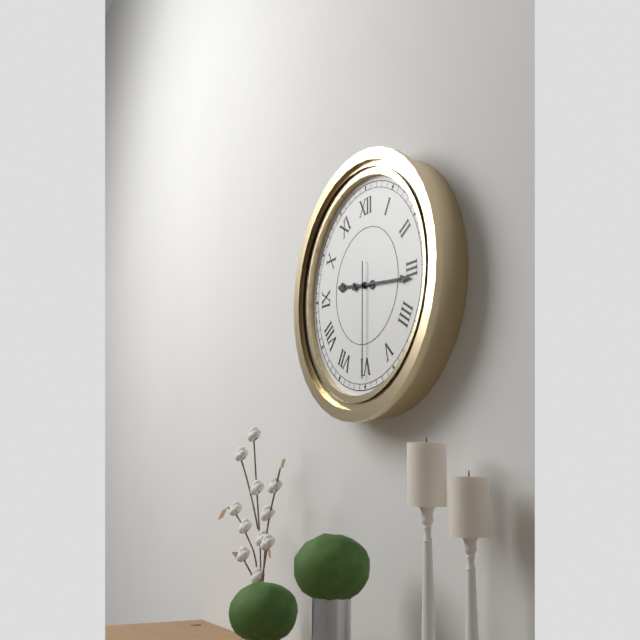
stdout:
**9:16:30**
